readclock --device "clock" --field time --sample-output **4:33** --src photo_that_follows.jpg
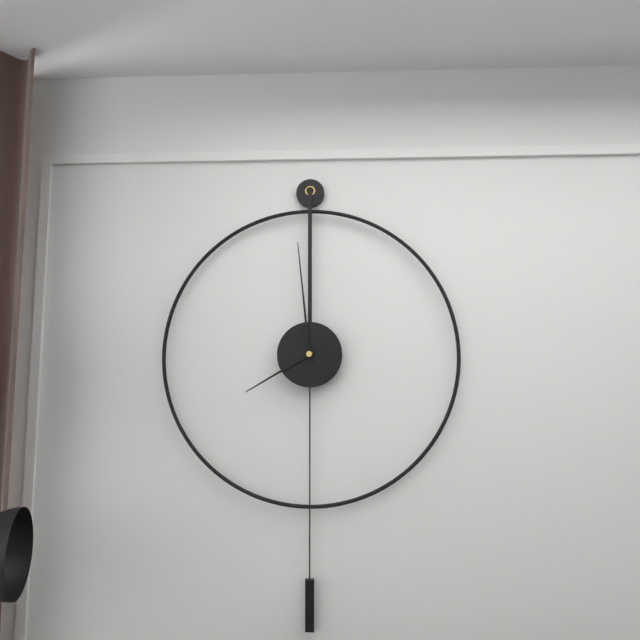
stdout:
**7:59**
